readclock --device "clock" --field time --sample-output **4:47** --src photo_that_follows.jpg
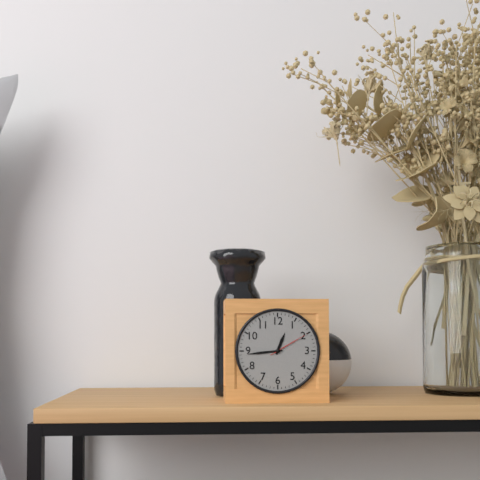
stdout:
**12:44**
